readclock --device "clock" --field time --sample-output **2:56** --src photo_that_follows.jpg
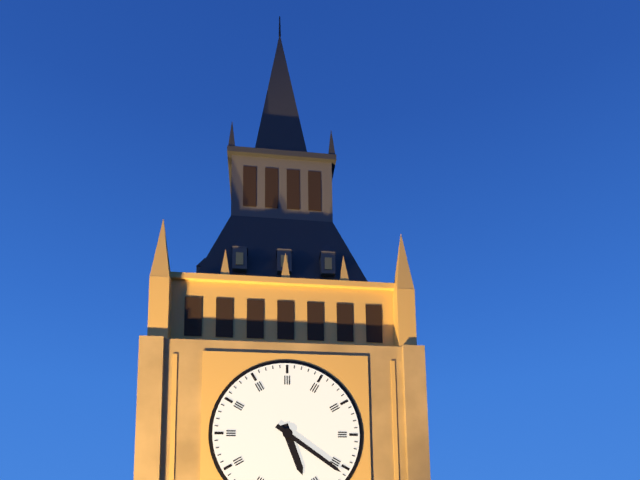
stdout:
**5:21**
